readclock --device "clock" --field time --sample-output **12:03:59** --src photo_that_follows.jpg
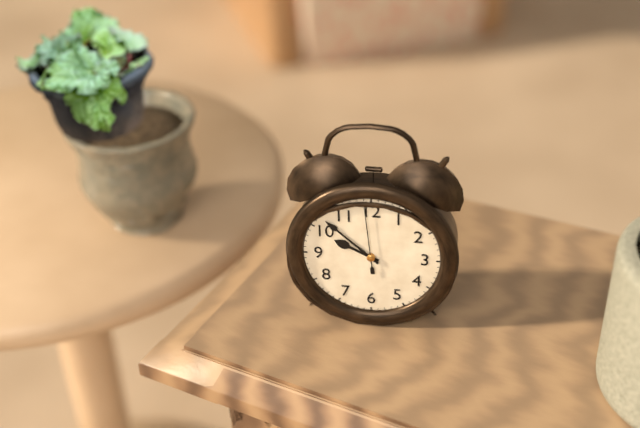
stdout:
**9:52:59**
